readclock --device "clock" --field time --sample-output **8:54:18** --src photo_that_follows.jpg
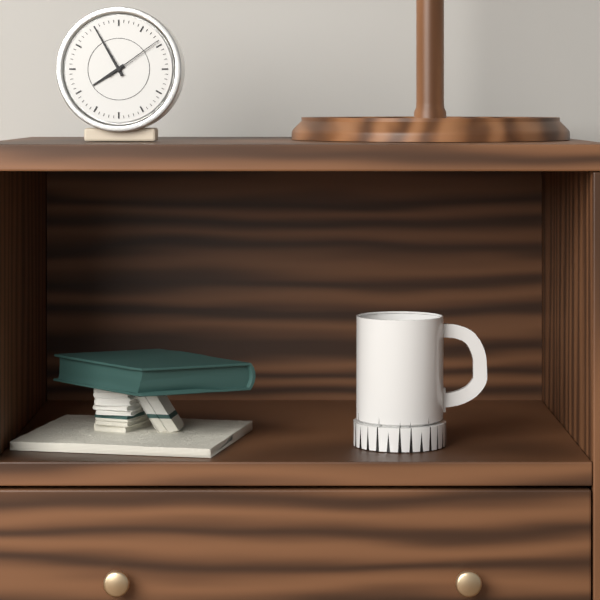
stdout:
**7:55:09**
